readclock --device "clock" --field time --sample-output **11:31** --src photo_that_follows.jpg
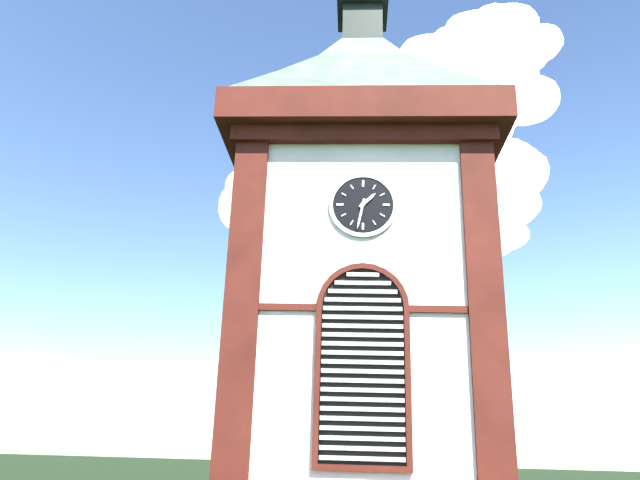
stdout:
**1:32**
